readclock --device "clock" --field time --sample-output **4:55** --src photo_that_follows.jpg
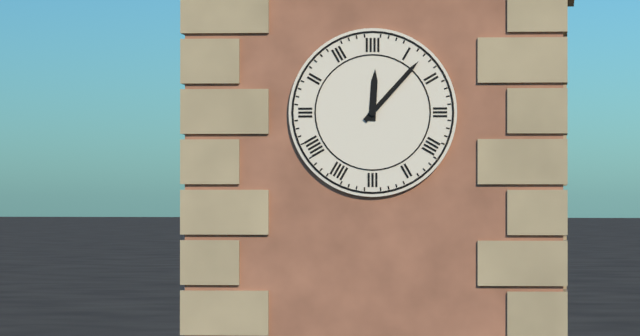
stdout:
**12:07**
